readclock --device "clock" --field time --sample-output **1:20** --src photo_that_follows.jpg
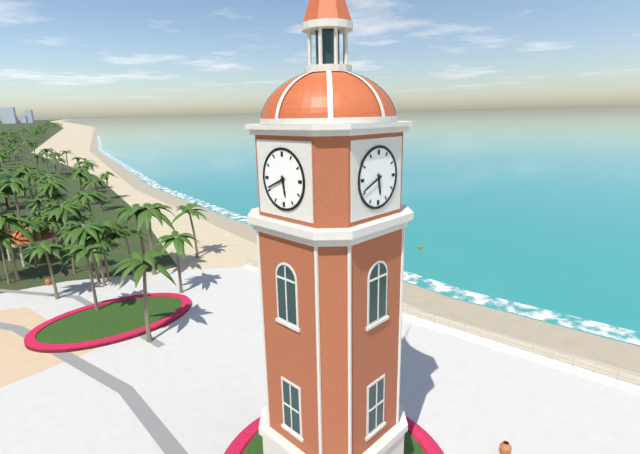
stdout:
**5:41**
